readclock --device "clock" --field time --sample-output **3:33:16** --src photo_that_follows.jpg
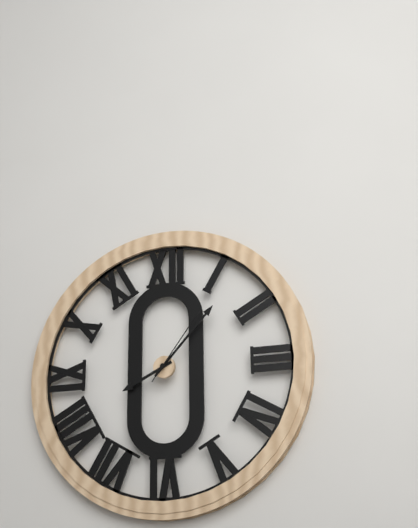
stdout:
**8:07:06**
